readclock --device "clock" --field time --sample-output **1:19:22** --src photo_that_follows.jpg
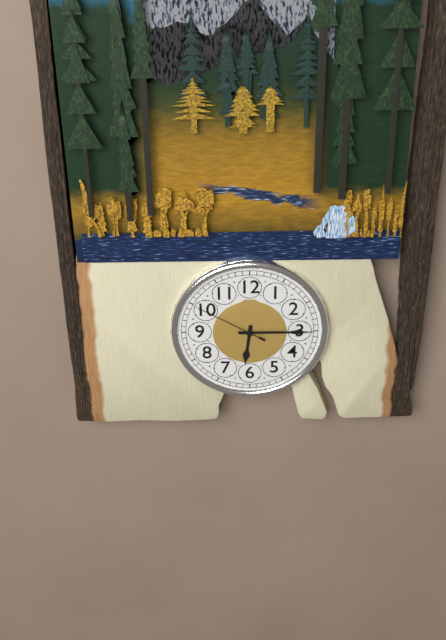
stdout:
**6:15:50**
